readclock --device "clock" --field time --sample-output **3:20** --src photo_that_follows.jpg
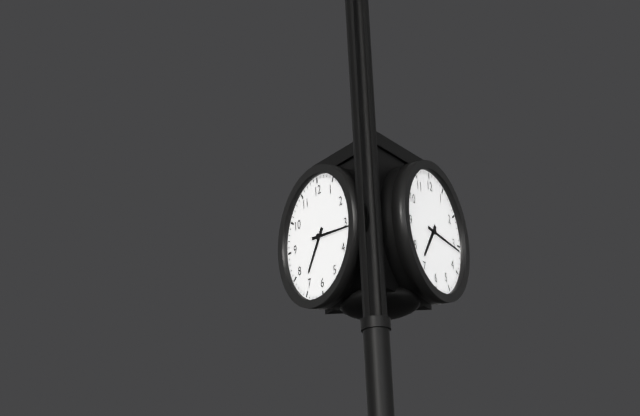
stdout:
**7:16**
